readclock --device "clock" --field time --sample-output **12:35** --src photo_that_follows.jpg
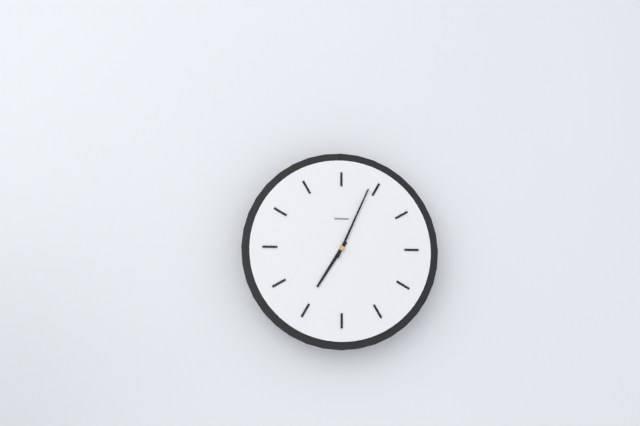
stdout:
**7:04**
